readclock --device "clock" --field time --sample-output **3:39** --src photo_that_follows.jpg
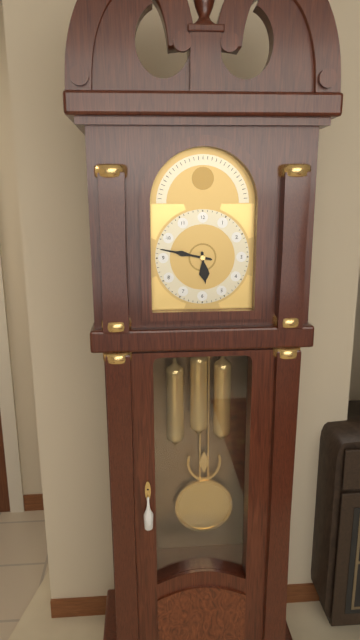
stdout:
**5:47**
